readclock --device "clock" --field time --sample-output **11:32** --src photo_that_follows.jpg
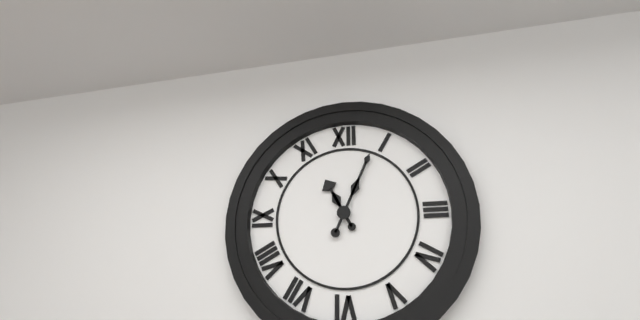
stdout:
**11:04**
